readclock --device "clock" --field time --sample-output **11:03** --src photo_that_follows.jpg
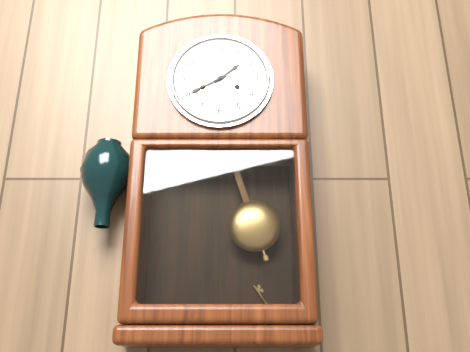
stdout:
**1:40**
